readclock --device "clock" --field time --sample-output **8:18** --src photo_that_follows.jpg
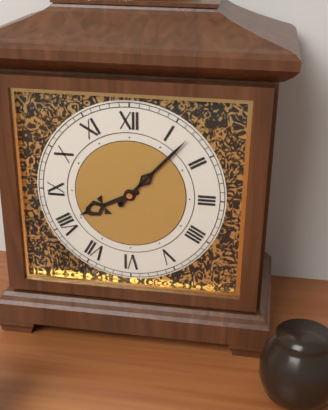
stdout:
**8:07**
